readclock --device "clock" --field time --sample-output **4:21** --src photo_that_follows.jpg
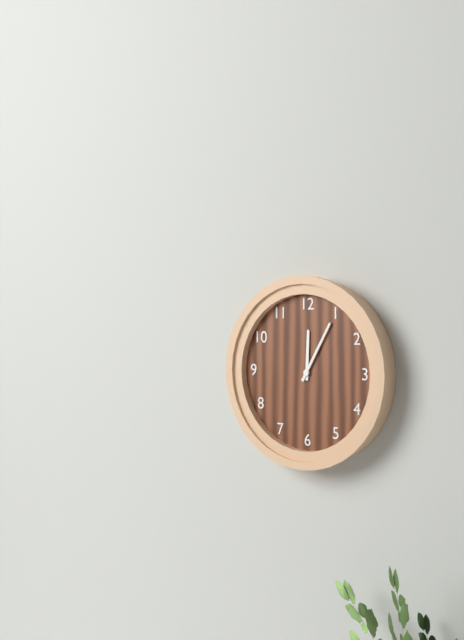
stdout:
**12:05**
